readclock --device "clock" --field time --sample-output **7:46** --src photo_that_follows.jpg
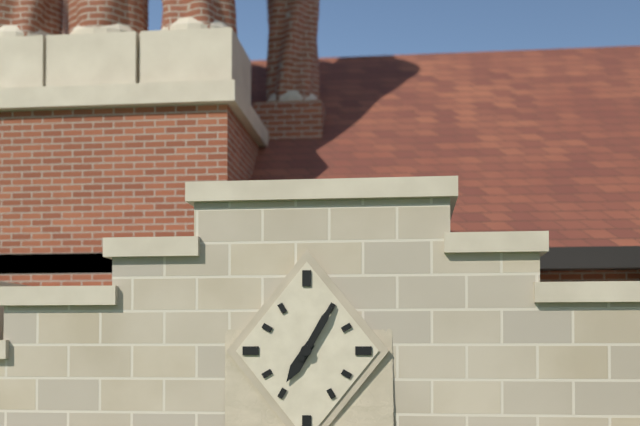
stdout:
**7:05**
